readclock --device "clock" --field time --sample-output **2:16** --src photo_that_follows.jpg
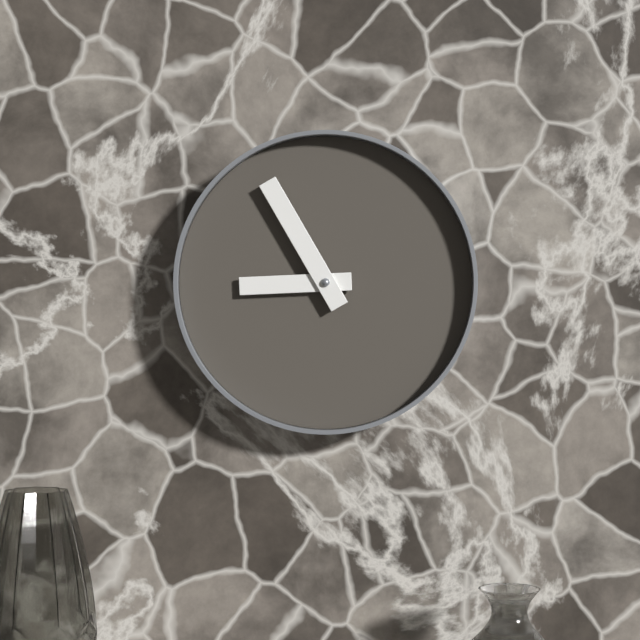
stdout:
**8:55**
